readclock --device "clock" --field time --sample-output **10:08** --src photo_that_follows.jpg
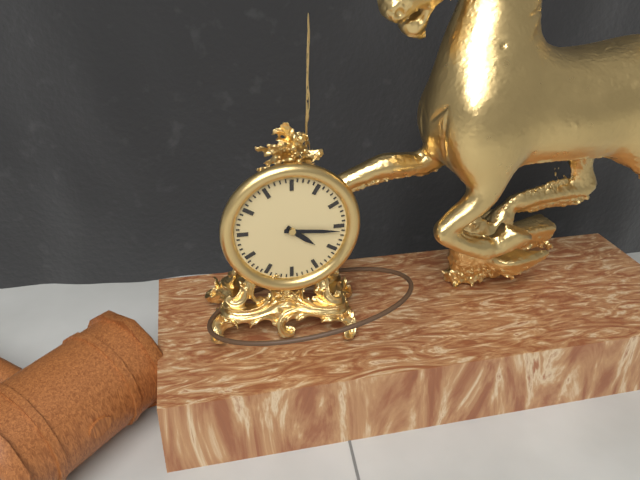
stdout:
**4:16**
